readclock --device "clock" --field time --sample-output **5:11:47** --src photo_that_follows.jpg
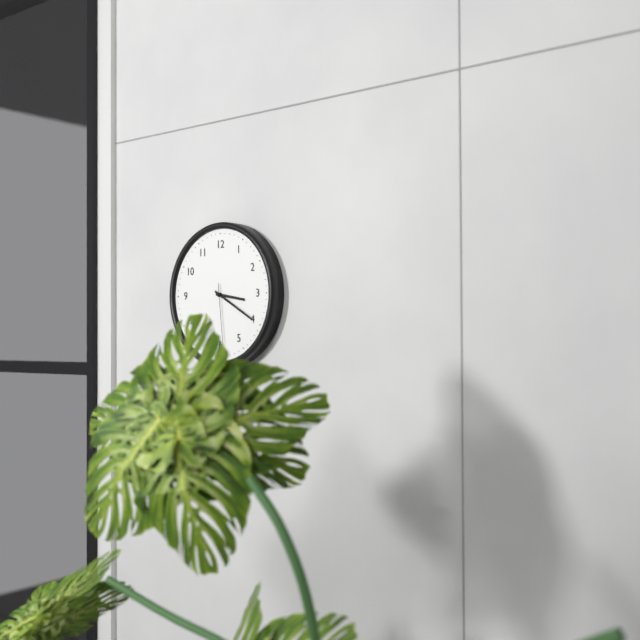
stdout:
**3:20:29**
